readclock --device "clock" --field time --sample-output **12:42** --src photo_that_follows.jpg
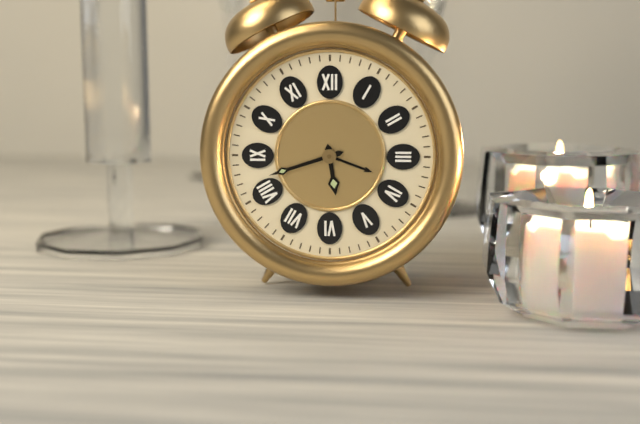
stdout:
**5:42**
